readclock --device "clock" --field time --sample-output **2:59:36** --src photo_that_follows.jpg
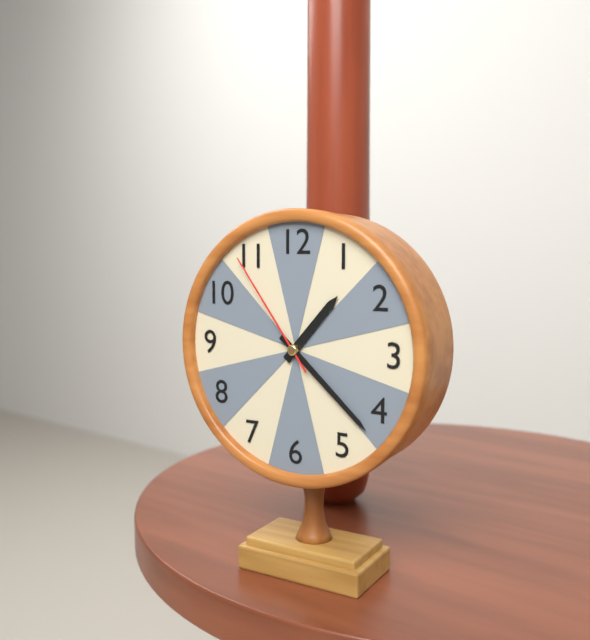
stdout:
**1:22:54**
